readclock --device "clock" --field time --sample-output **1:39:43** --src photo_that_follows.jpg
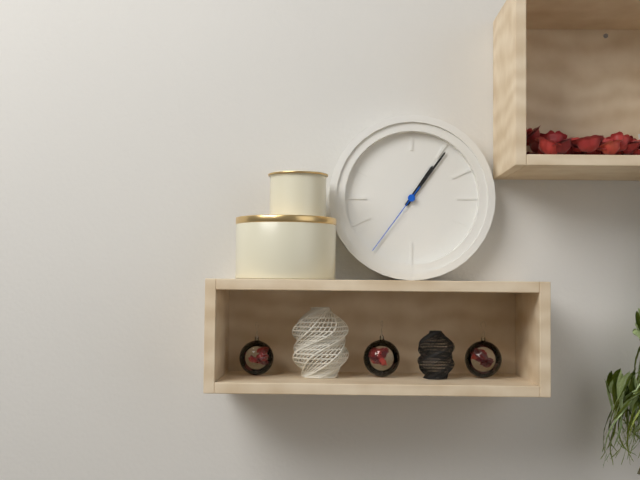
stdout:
**1:06:36**
